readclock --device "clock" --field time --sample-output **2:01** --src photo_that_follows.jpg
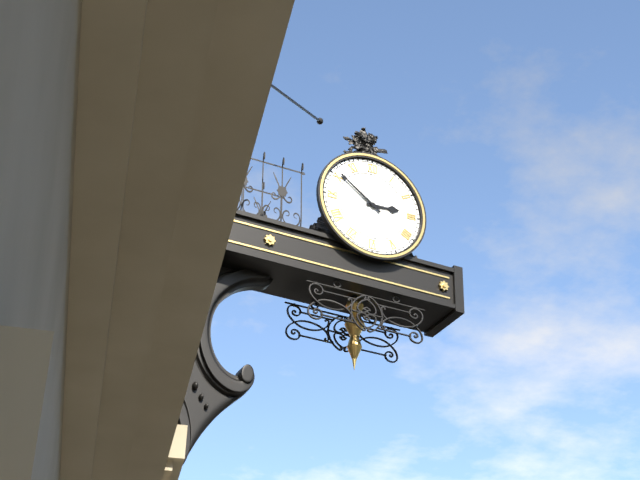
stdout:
**2:51**
